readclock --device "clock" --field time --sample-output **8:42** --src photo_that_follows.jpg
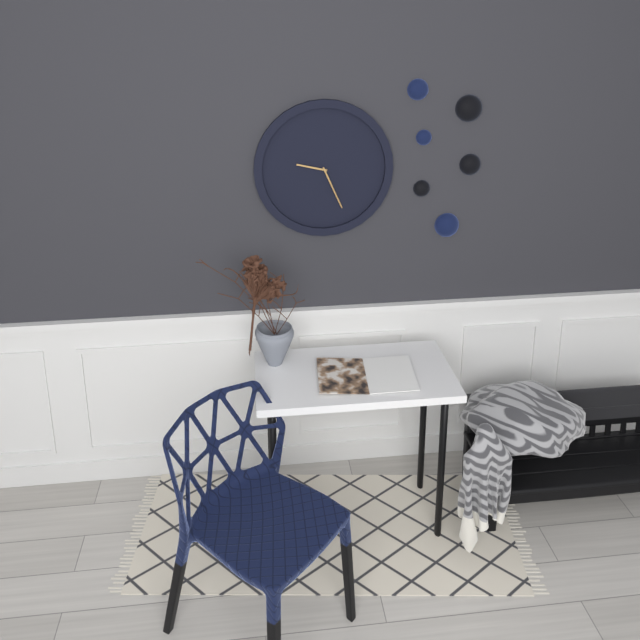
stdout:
**9:26**
